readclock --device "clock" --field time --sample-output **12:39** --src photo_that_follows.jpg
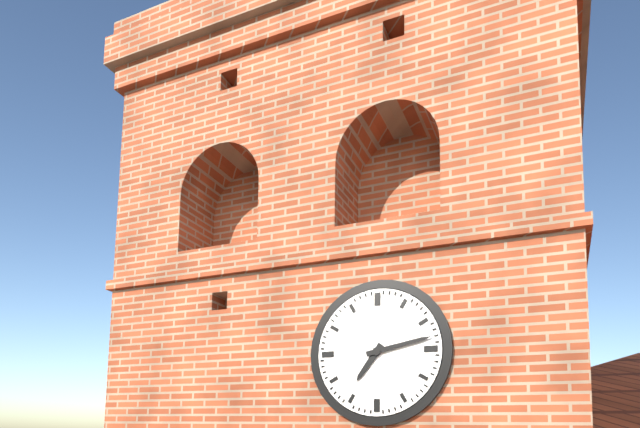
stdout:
**7:13**
